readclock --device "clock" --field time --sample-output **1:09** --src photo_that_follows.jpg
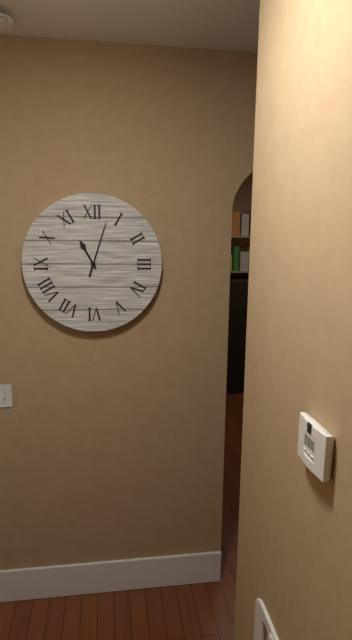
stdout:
**11:03**
